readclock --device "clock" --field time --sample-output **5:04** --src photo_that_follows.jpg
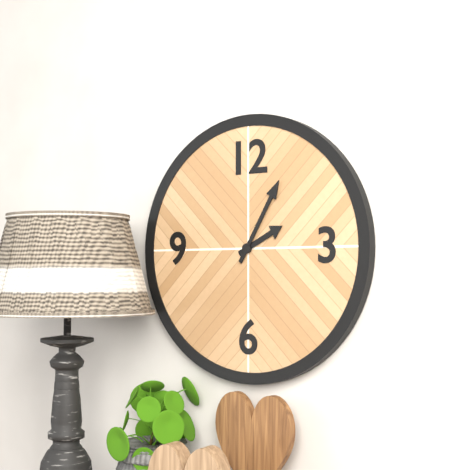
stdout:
**2:05**
